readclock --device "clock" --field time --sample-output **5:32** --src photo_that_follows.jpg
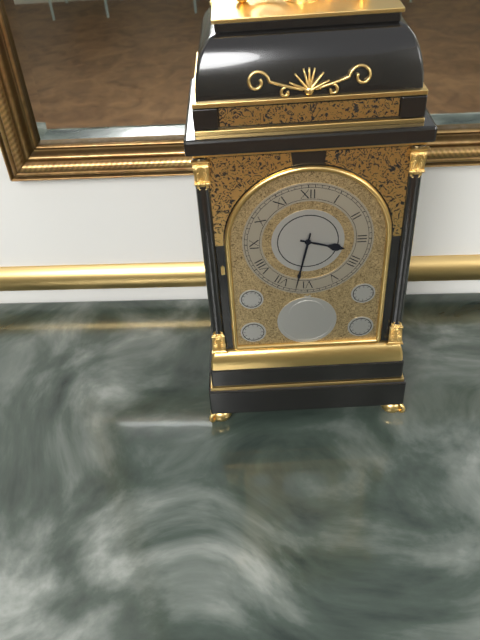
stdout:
**3:32**
